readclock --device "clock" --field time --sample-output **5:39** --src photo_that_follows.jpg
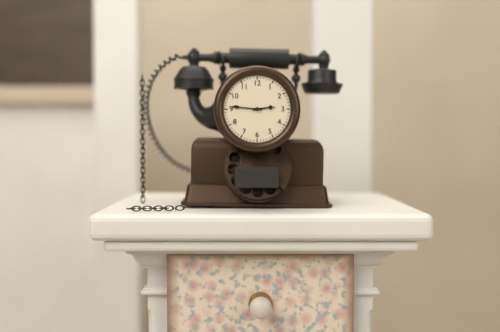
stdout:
**2:46**
